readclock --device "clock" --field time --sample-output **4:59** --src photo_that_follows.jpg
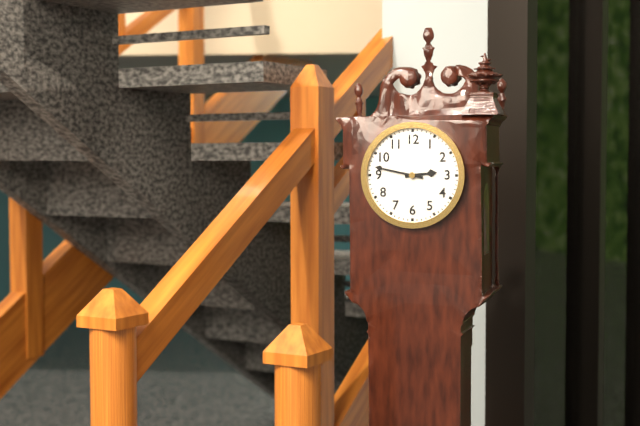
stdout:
**2:47**
